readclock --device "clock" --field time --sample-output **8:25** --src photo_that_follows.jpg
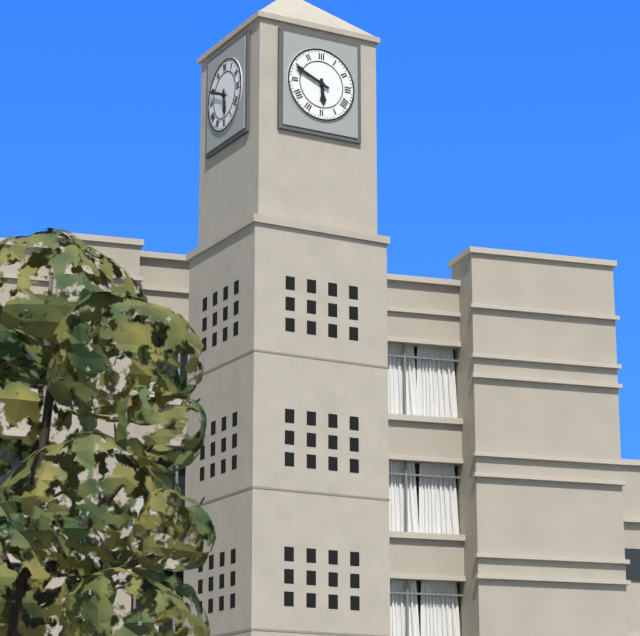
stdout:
**5:49**
